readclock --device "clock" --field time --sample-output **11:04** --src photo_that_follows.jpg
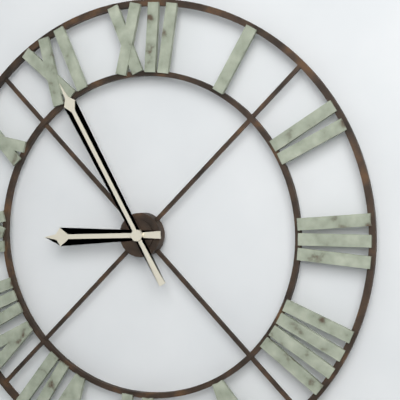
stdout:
**8:55**
